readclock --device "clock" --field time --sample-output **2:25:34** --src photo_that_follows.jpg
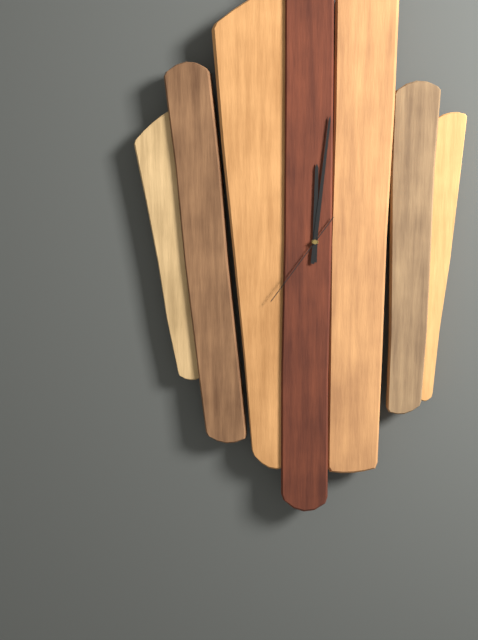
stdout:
**12:01:36**
